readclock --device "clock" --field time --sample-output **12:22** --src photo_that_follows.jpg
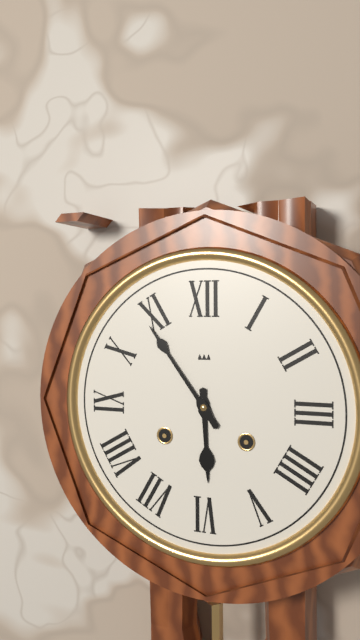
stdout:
**5:54**
